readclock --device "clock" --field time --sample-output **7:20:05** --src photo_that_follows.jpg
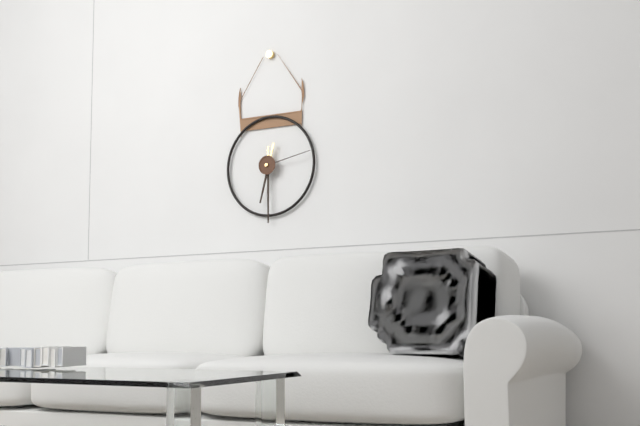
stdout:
**6:30:13**
